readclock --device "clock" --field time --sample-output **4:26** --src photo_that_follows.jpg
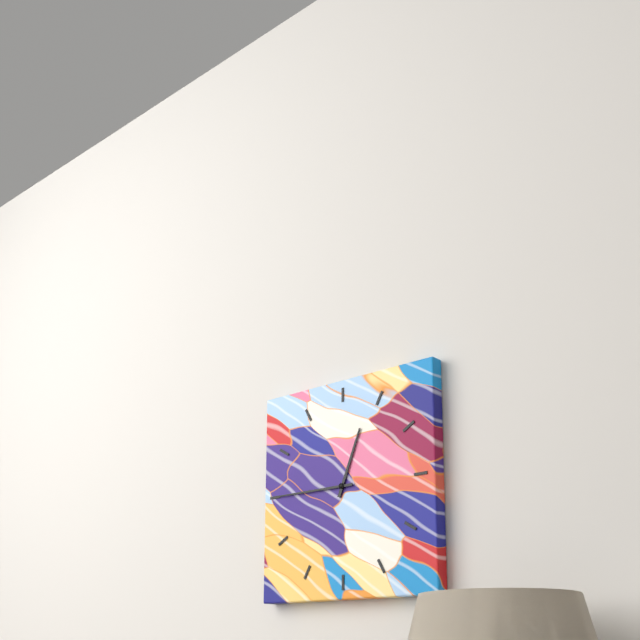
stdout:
**12:45**
